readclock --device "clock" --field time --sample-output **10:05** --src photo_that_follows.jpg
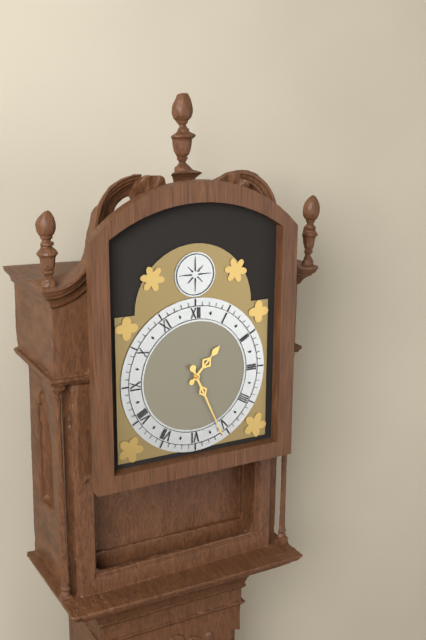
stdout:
**1:26**
